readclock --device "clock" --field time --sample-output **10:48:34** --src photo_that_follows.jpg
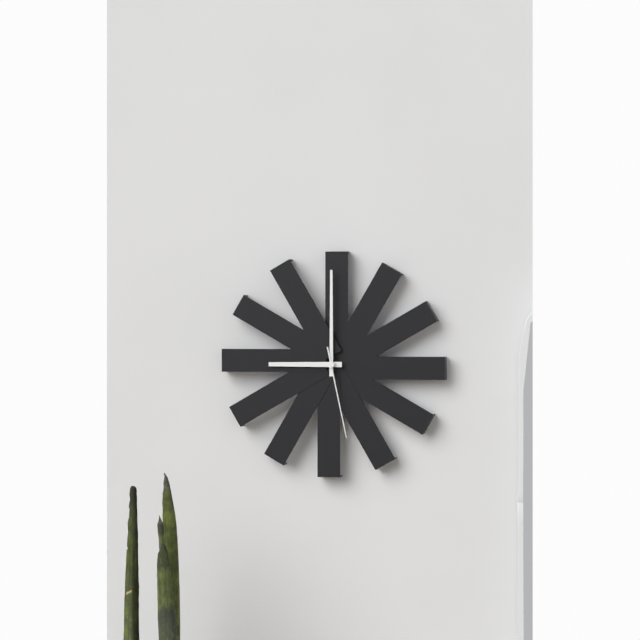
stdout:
**9:00:28**
